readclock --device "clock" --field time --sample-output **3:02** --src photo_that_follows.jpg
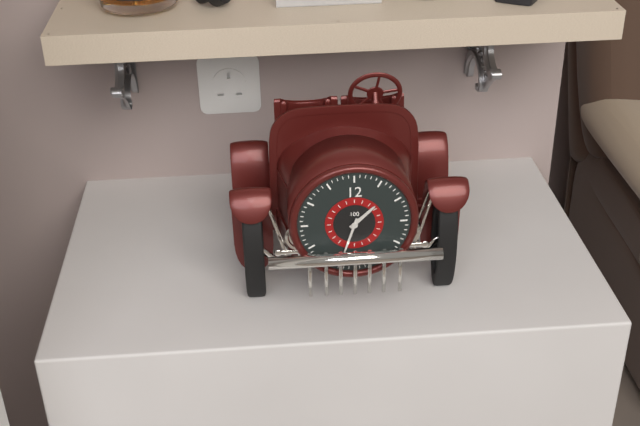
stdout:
**1:33**
